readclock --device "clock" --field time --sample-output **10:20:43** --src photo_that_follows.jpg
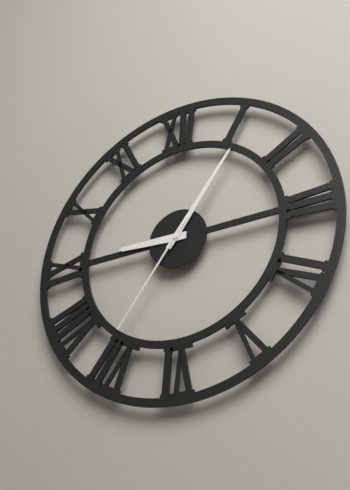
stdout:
**9:06:36**
